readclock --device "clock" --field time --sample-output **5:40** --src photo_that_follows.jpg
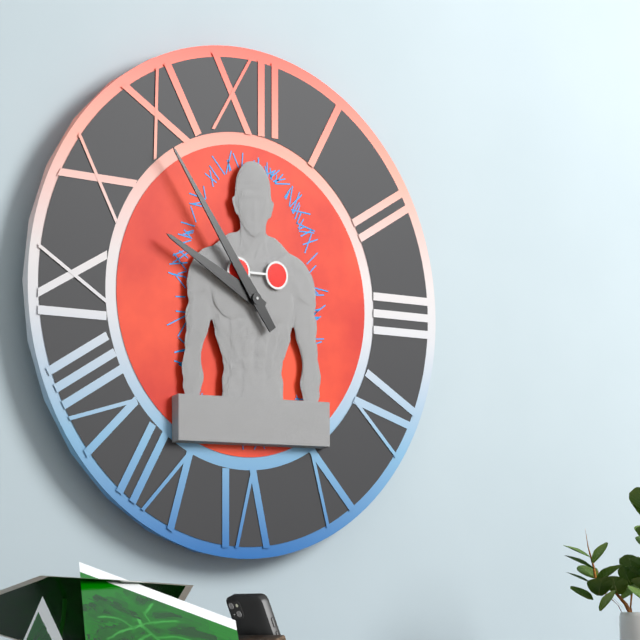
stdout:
**9:54**
